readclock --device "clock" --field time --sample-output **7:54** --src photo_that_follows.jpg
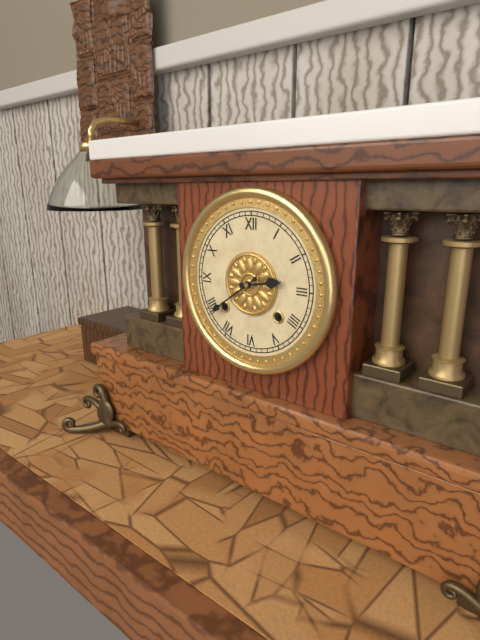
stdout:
**2:39**
